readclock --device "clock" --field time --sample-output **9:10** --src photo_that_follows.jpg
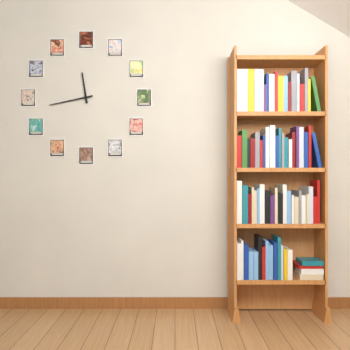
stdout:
**11:43**
